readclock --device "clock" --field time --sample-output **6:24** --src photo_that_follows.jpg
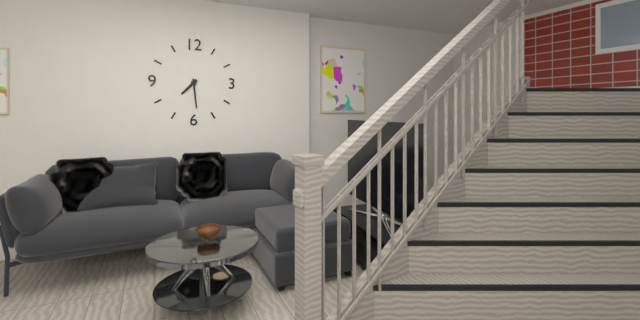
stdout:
**7:29**
